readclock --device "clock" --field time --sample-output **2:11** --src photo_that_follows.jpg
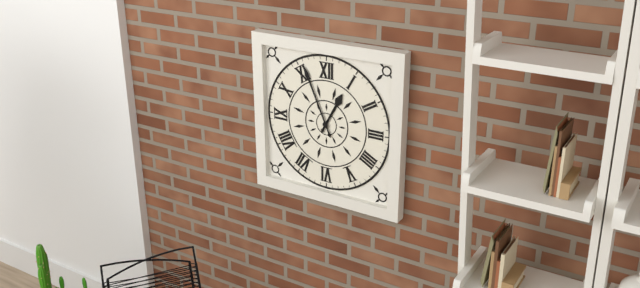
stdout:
**12:56**
